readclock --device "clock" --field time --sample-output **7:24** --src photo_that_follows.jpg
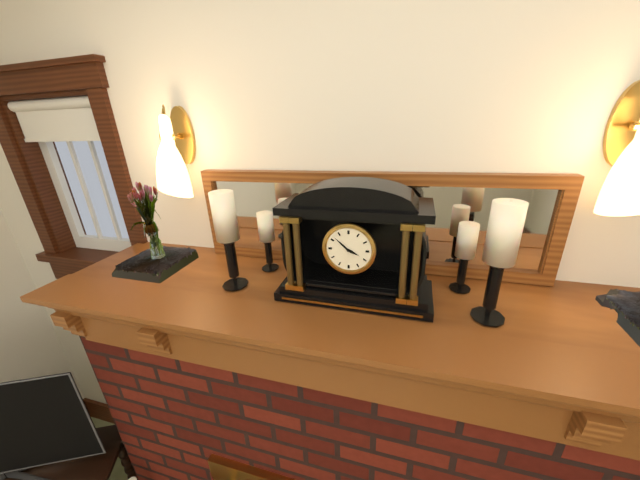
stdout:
**3:52**
